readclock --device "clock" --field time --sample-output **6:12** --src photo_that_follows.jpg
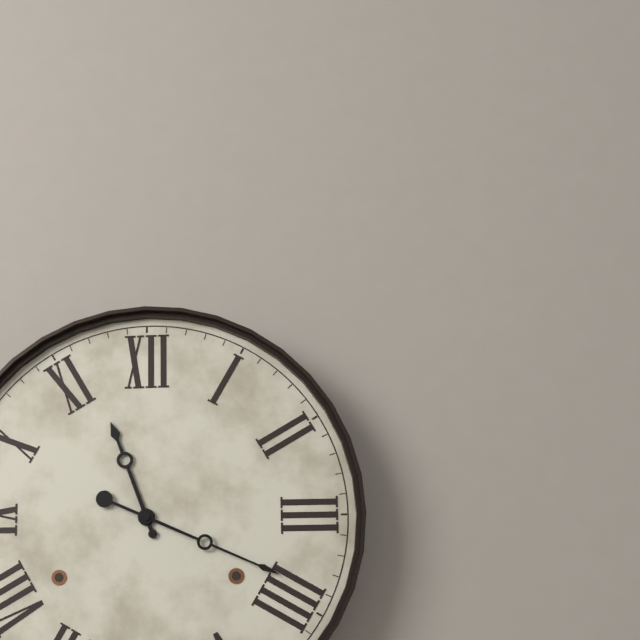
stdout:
**11:19**
